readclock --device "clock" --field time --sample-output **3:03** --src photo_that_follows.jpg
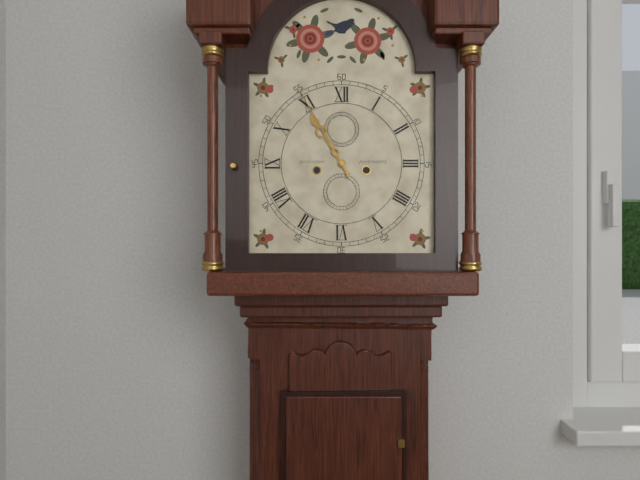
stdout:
**10:55**
